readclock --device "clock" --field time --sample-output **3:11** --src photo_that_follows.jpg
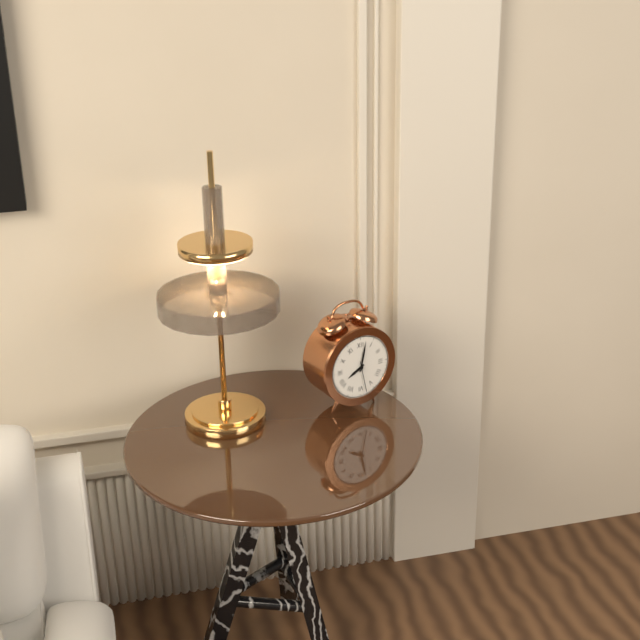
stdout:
**8:02**
